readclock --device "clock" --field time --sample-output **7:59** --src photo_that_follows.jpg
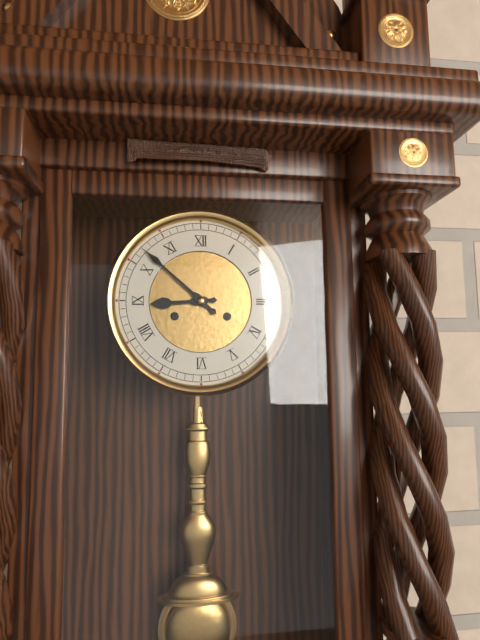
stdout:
**8:52**
